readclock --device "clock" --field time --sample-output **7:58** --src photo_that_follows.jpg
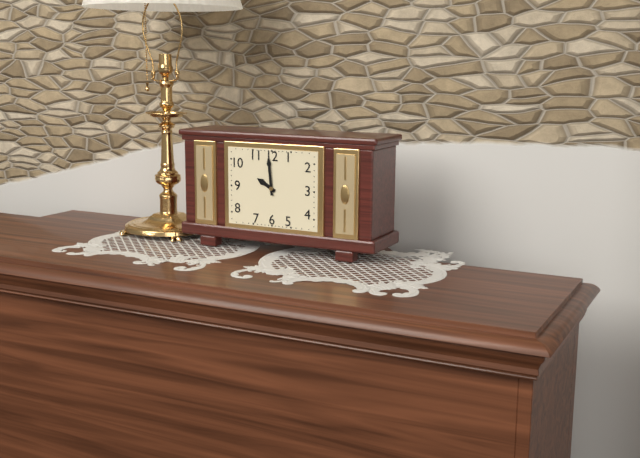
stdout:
**9:59**
